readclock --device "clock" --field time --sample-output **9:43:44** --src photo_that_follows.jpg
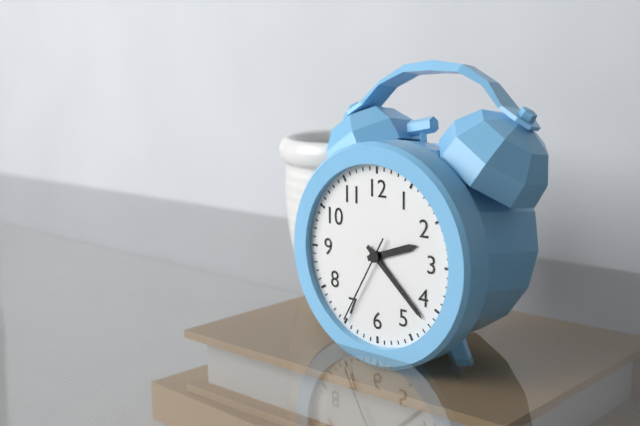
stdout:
**2:22:35**
